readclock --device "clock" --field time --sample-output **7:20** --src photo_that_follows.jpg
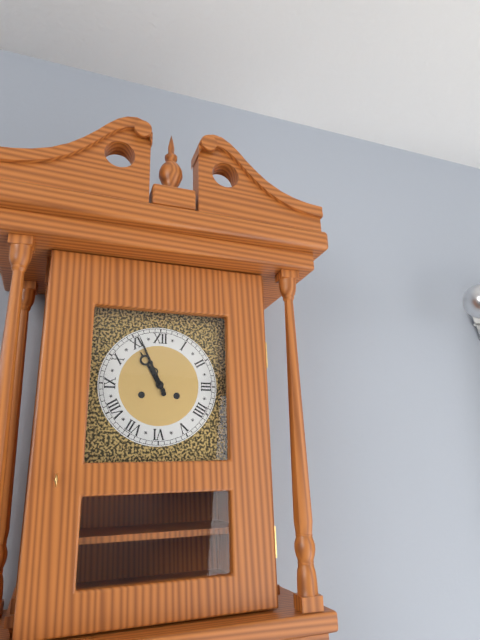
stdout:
**10:56**
